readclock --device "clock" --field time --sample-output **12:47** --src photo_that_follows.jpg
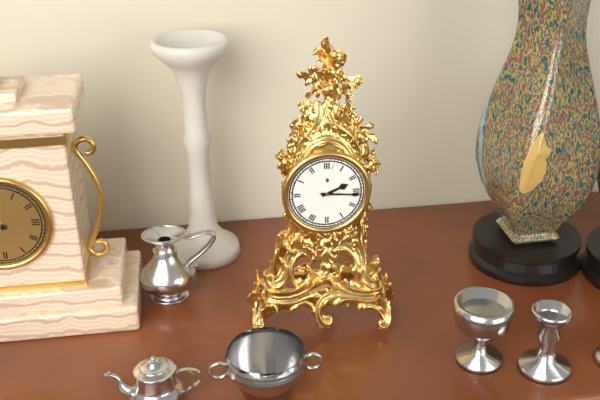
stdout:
**2:16**
